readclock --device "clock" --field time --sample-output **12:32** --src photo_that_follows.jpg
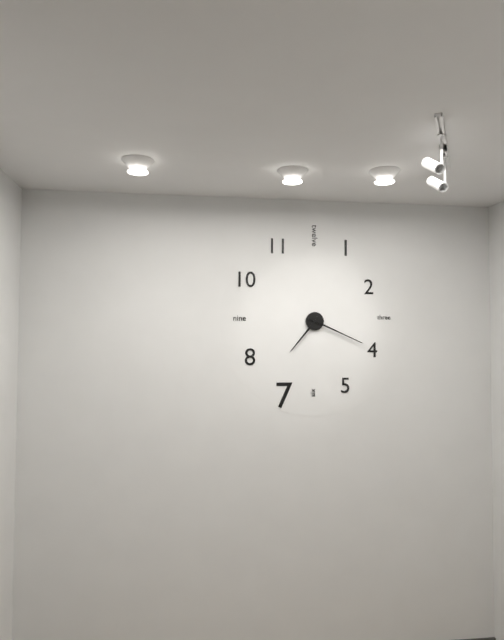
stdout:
**7:19**
